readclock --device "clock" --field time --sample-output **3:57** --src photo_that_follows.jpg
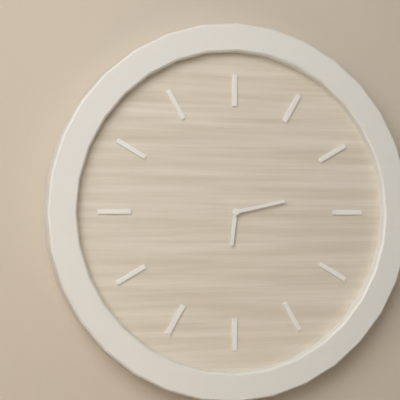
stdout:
**6:13**
